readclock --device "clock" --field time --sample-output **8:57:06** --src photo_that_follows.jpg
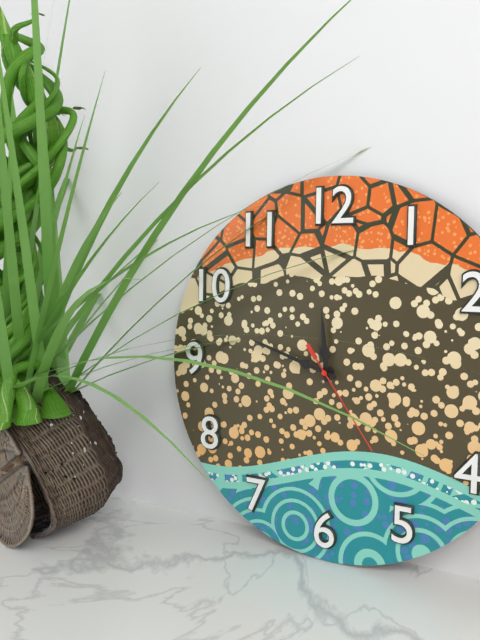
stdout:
**11:48:24**
